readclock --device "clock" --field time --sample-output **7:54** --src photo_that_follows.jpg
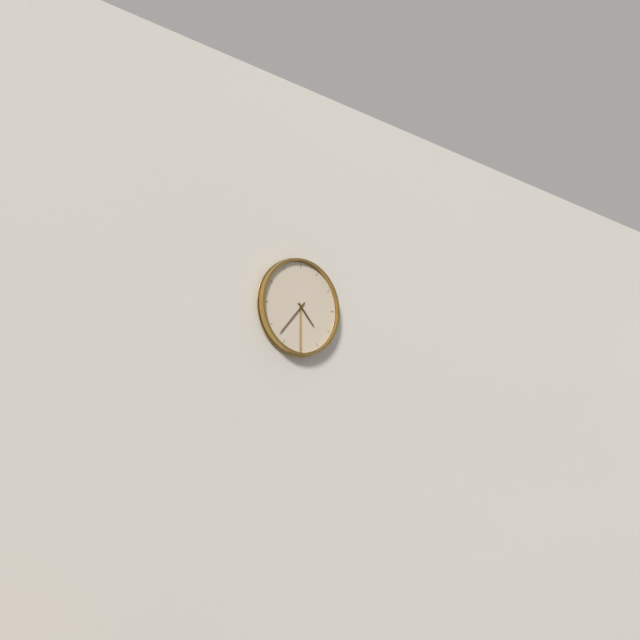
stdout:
**4:37**
